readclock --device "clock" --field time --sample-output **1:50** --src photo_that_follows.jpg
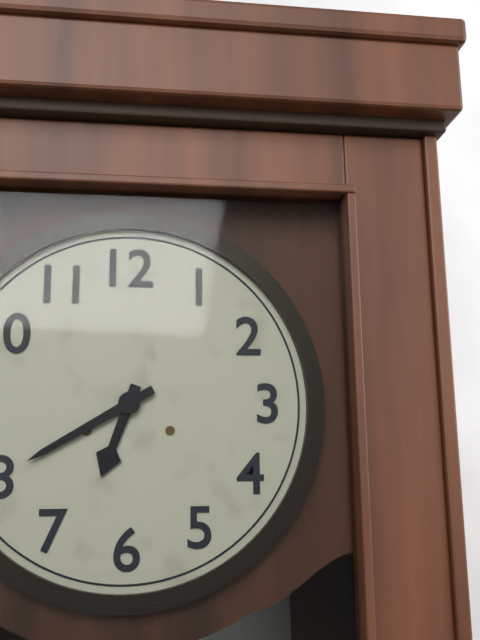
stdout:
**6:40**
